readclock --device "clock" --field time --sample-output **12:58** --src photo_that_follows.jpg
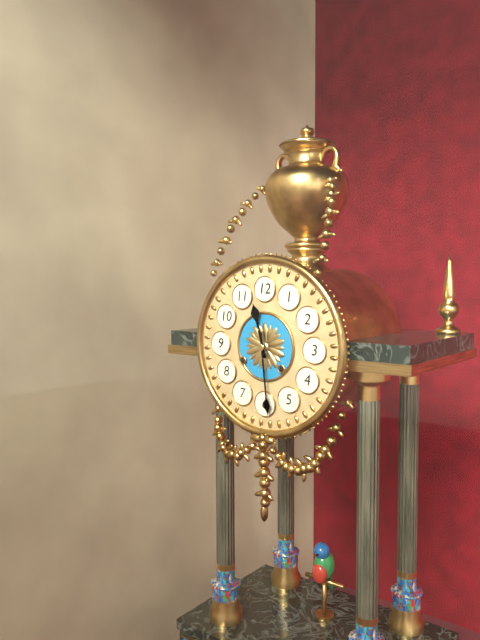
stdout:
**11:29**
